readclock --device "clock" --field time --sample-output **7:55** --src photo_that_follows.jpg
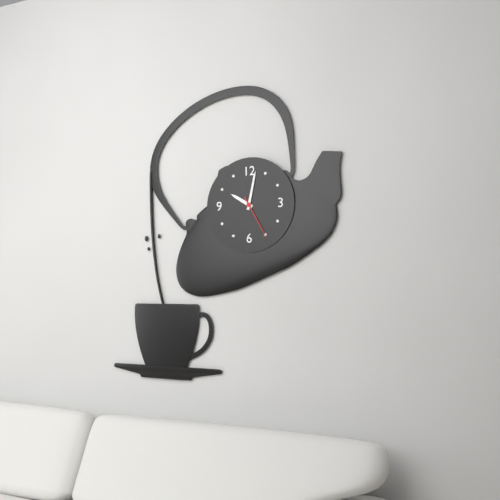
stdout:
**10:02**
